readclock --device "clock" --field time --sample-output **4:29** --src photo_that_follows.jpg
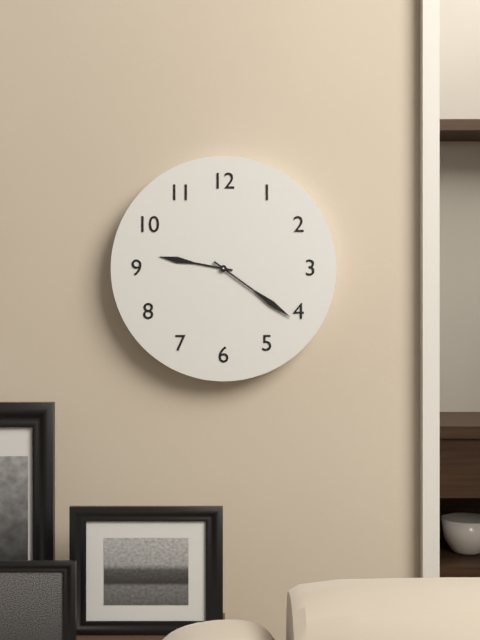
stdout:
**9:21**
